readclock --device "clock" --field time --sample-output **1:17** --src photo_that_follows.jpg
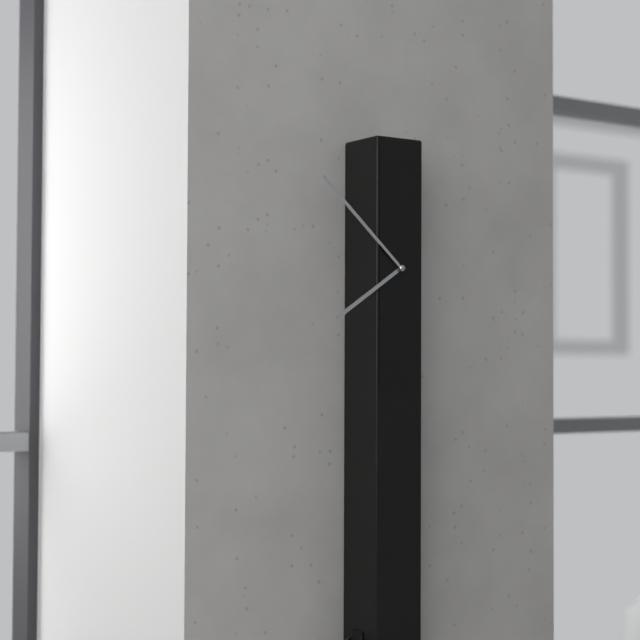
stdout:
**7:52**
